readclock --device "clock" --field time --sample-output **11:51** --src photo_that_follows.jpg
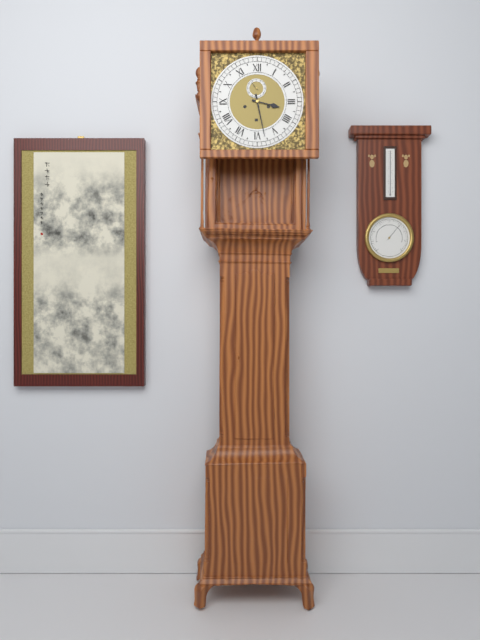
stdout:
**3:28**
